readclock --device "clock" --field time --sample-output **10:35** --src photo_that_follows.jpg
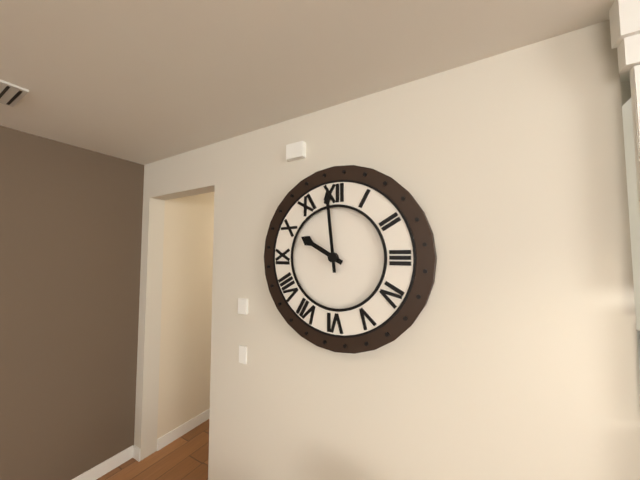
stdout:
**9:59**
